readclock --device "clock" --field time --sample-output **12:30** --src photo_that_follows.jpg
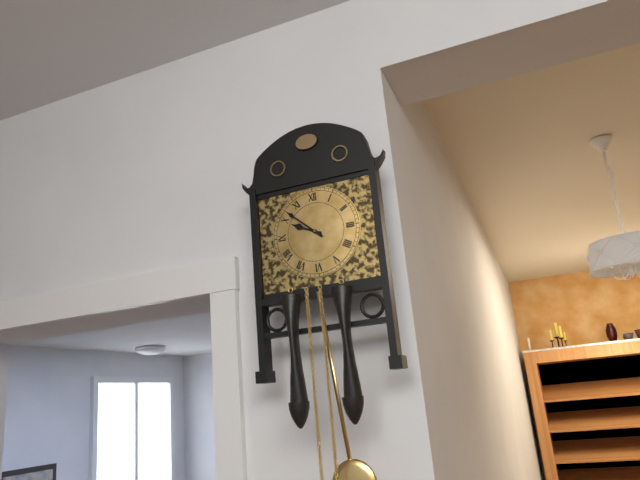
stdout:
**9:52**
